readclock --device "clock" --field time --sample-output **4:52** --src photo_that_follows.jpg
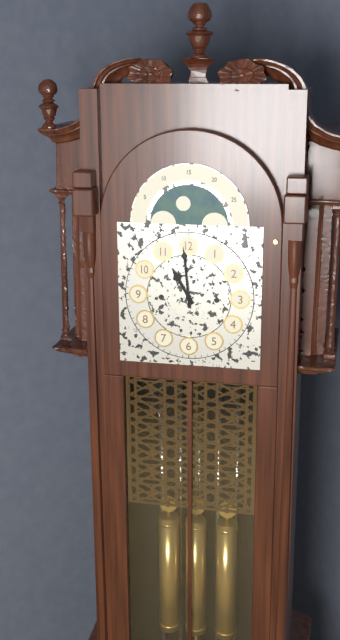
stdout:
**10:59**
